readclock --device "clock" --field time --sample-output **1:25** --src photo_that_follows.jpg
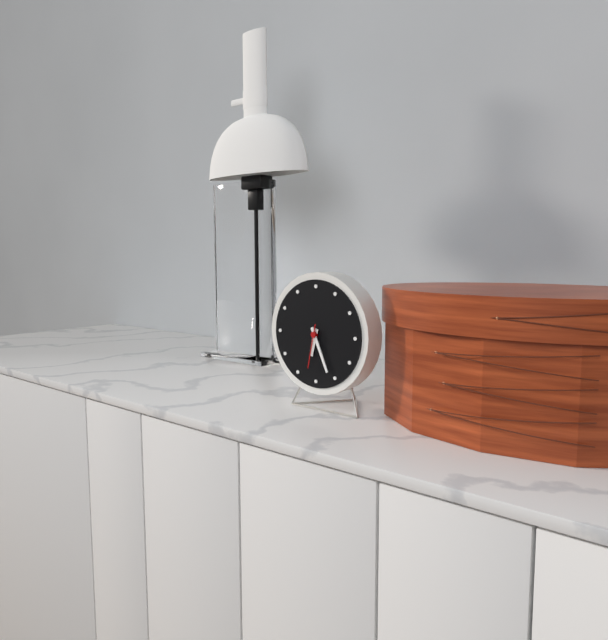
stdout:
**6:26**
